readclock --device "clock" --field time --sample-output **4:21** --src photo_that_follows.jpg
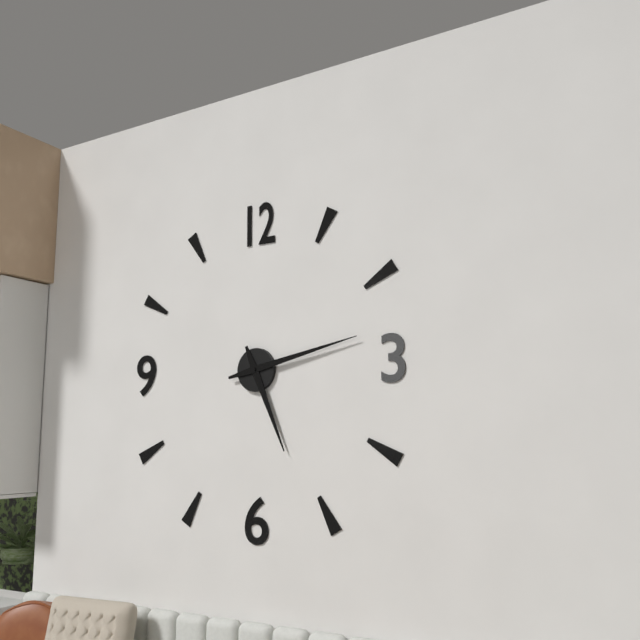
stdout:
**5:13**
